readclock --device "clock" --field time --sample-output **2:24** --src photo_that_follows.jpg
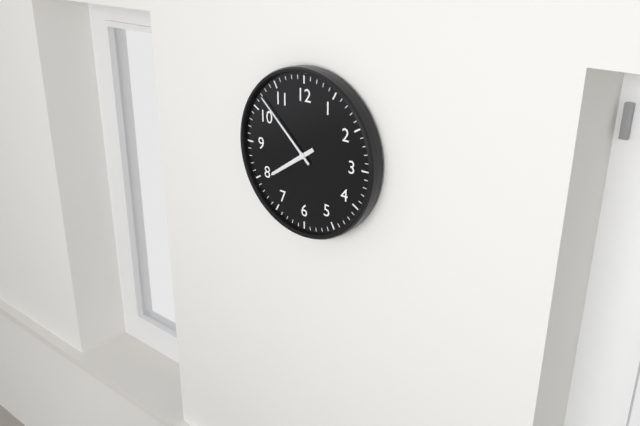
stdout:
**7:52**
